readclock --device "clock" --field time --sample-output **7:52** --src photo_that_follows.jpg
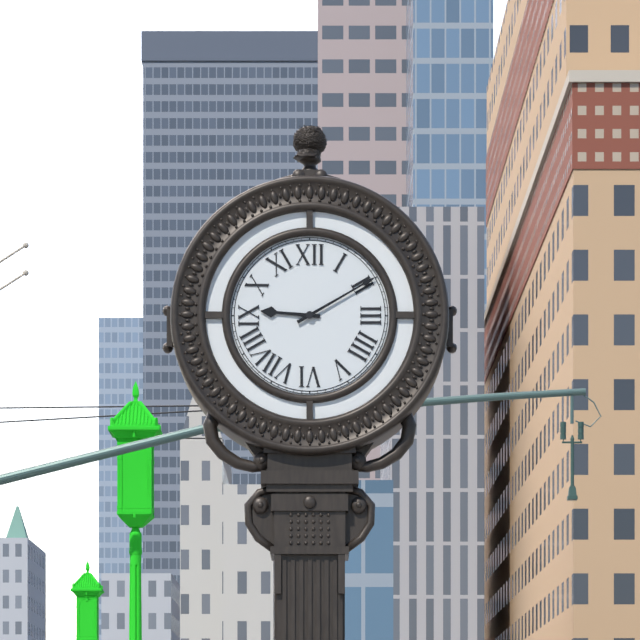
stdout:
**9:10**
